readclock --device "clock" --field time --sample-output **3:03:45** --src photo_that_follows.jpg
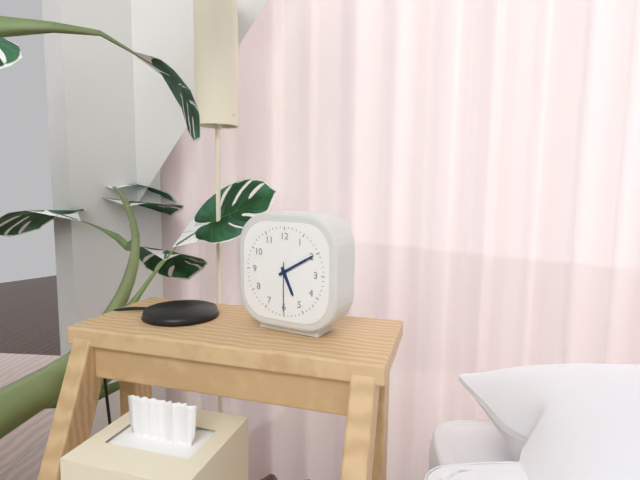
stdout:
**5:10:30**
